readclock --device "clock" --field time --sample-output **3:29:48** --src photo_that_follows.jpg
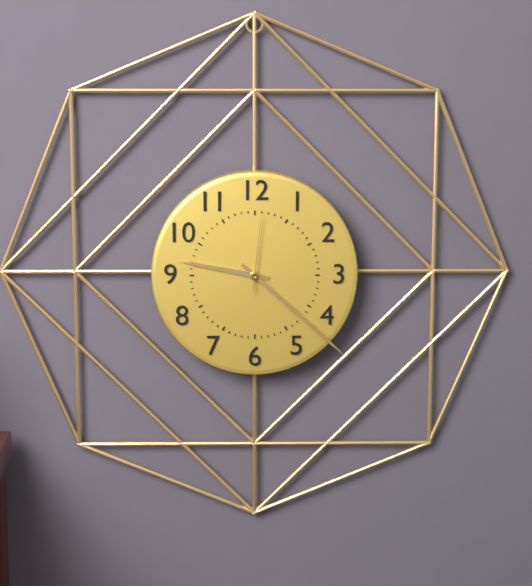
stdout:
**9:22:01**
